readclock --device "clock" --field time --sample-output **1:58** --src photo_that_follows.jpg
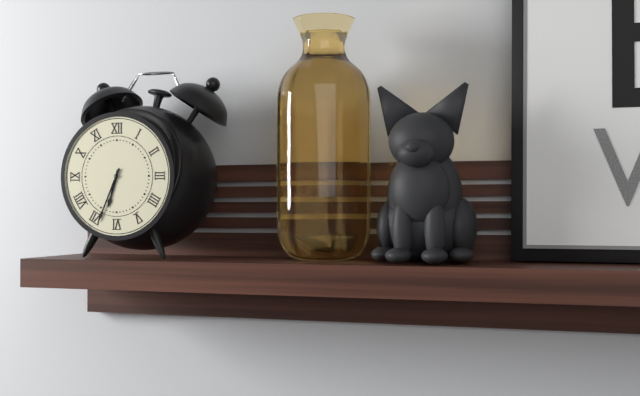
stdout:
**6:34**
